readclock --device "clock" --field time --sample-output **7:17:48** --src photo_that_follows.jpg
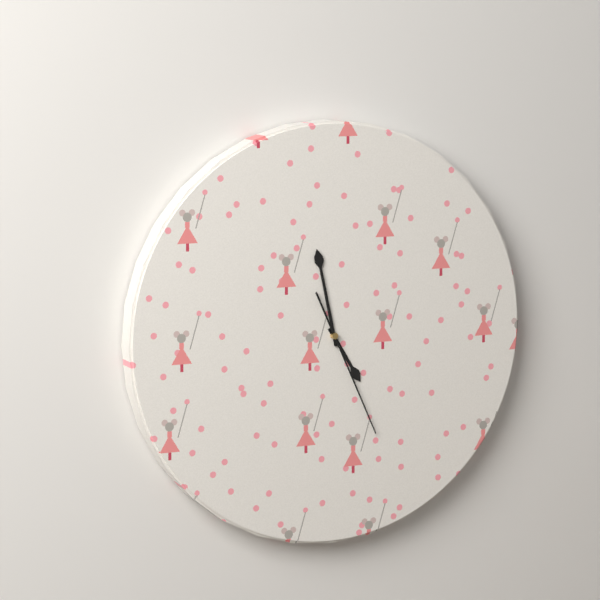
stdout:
**4:58:26**
